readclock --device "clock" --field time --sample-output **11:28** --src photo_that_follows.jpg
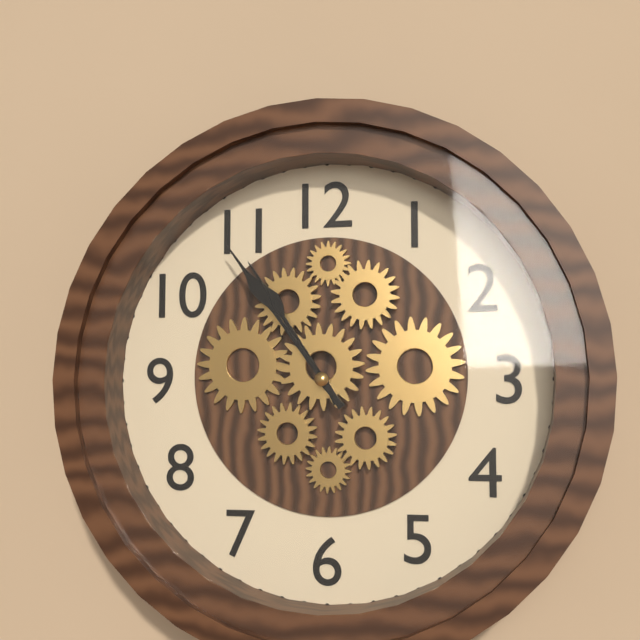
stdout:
**10:54**
